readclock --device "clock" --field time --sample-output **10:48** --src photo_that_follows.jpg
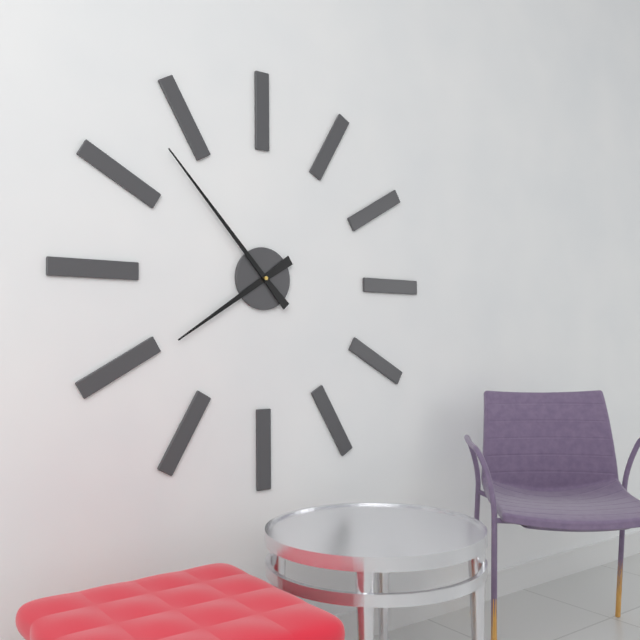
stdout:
**7:53**
